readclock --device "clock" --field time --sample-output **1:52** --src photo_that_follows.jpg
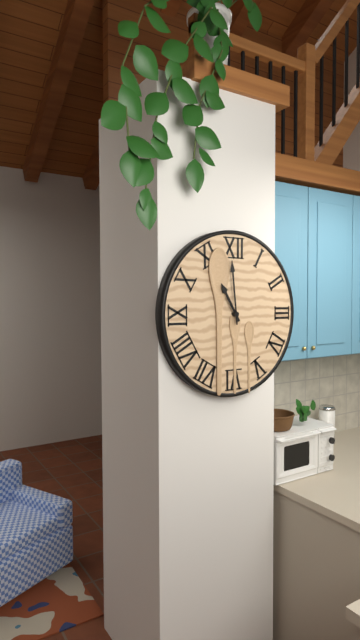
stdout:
**10:59**
